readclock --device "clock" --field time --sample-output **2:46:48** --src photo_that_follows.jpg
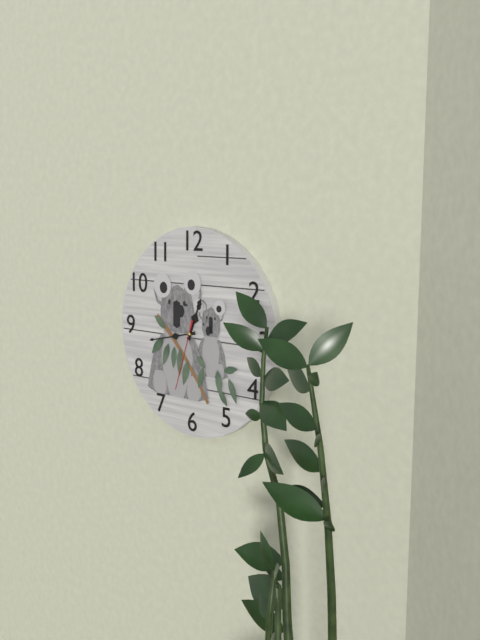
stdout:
**12:43:33**
